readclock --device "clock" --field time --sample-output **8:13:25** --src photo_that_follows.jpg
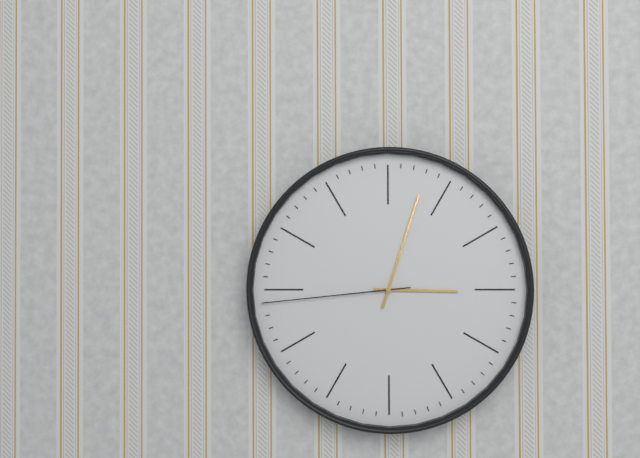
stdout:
**3:03:44**
